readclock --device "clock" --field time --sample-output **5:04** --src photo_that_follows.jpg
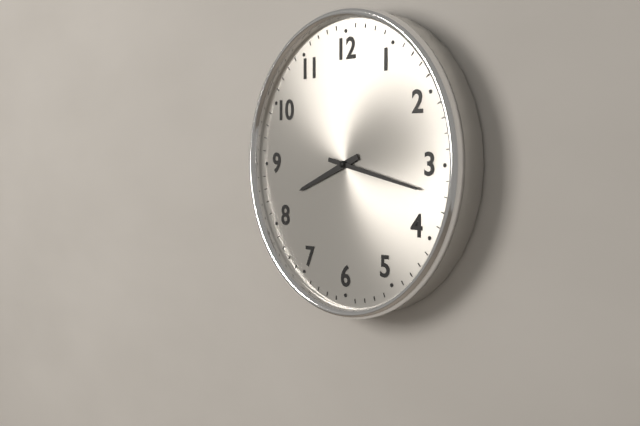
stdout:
**8:17**
